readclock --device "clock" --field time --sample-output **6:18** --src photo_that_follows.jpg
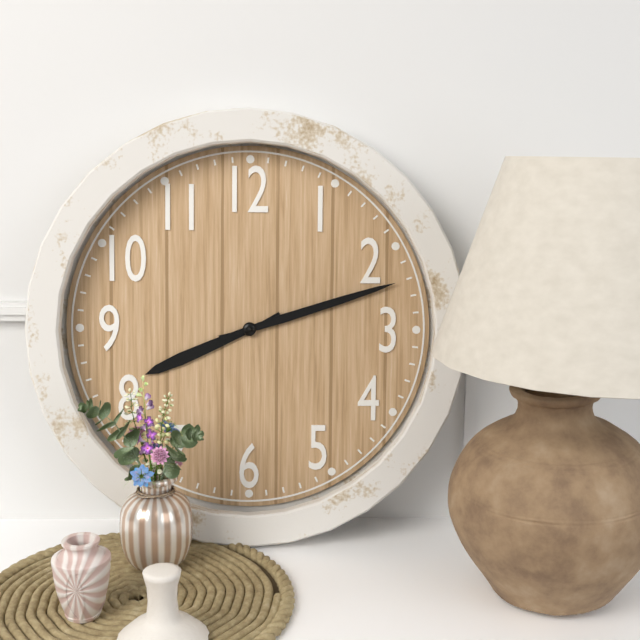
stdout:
**8:12**
